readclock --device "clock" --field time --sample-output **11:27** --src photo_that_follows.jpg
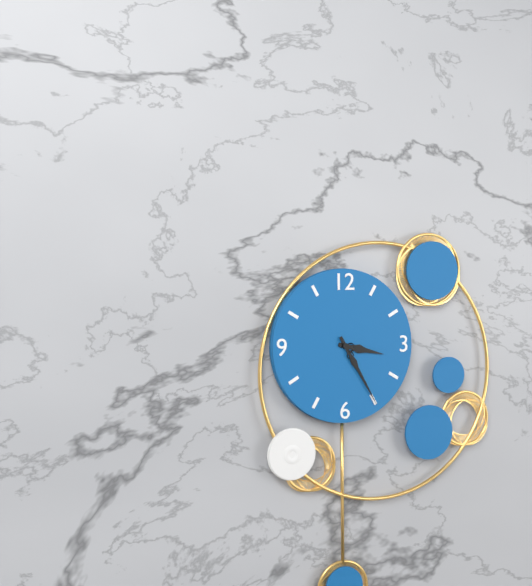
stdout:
**3:25**
